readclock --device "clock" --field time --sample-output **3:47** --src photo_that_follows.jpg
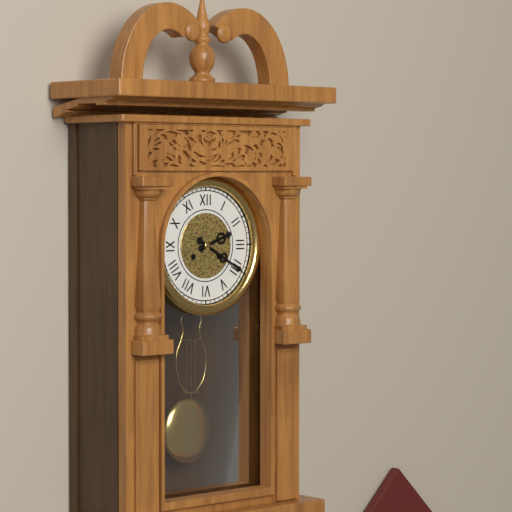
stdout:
**2:20**
